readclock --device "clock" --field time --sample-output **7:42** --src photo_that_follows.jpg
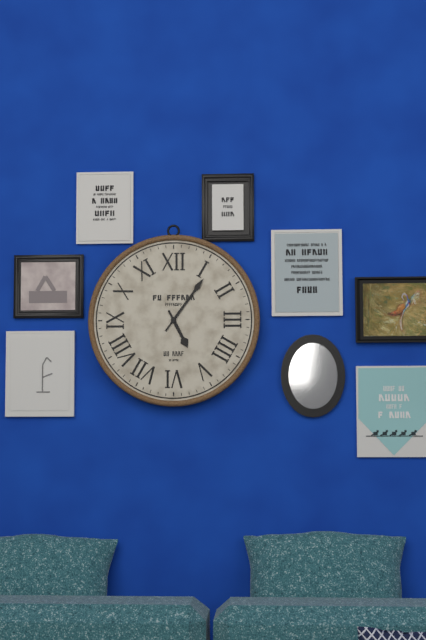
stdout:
**5:06**
